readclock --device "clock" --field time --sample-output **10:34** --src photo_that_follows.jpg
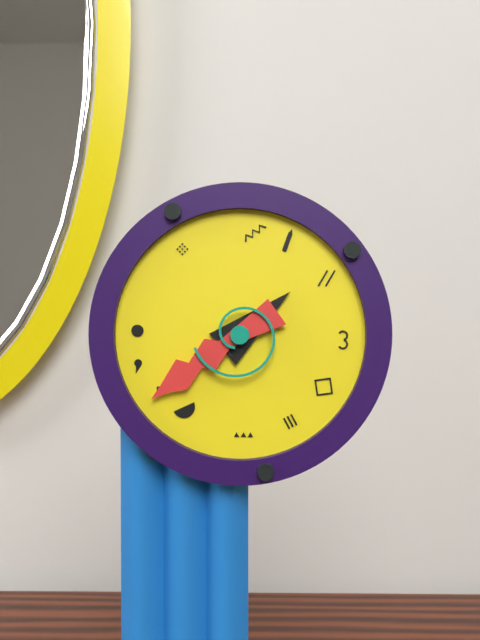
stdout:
**1:39**
